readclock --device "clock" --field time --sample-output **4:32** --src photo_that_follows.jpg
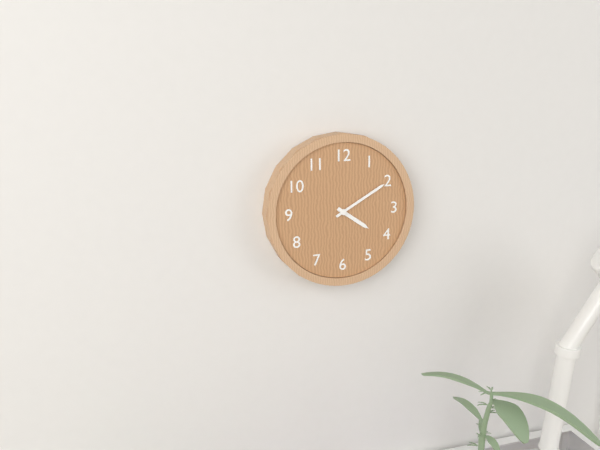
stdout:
**4:10**
